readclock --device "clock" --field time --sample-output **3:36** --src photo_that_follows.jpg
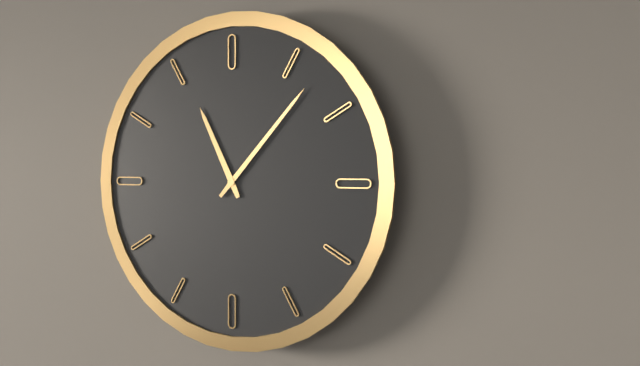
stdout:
**11:07**
